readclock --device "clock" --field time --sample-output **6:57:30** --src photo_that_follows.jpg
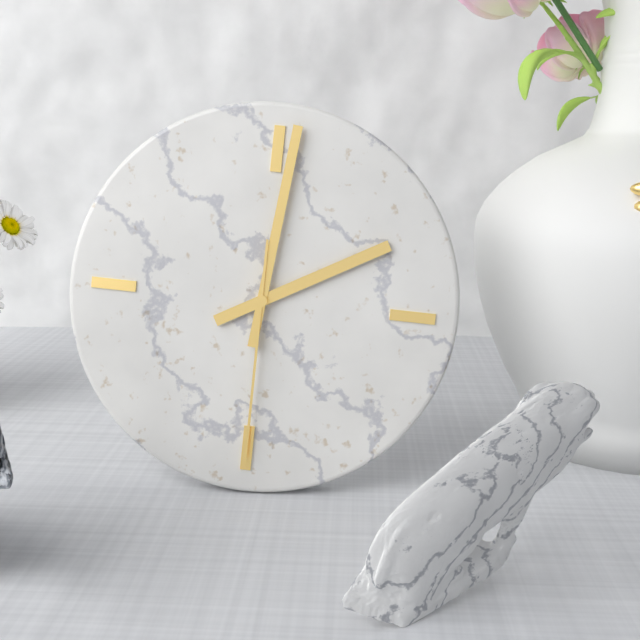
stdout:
**2:01:30**
